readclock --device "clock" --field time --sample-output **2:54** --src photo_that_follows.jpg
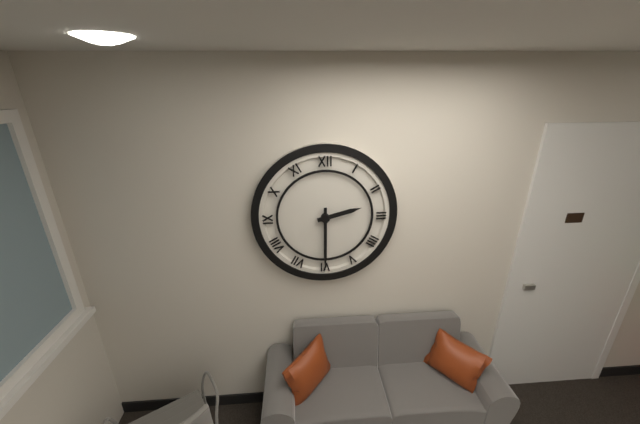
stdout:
**2:30**
